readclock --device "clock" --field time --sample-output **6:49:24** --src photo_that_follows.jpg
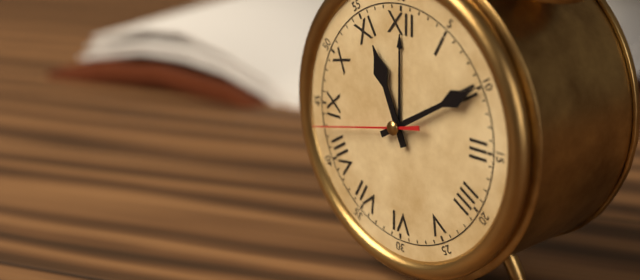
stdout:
**11:10:43**
